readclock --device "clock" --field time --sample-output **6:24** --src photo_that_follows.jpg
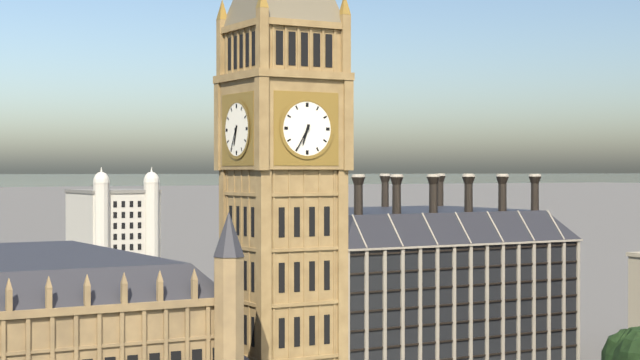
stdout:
**6:35**
